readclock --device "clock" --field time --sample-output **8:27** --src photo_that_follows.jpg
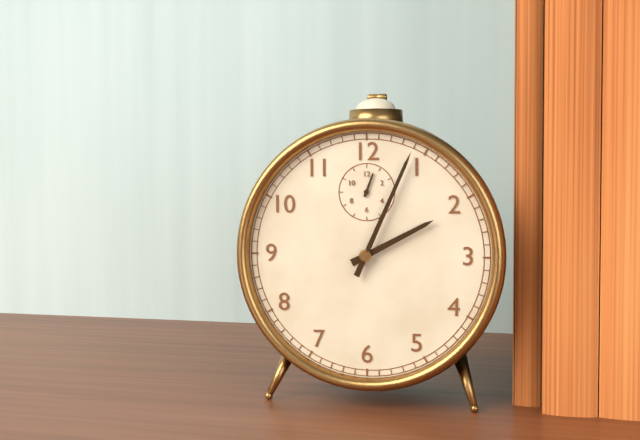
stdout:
**2:04**
